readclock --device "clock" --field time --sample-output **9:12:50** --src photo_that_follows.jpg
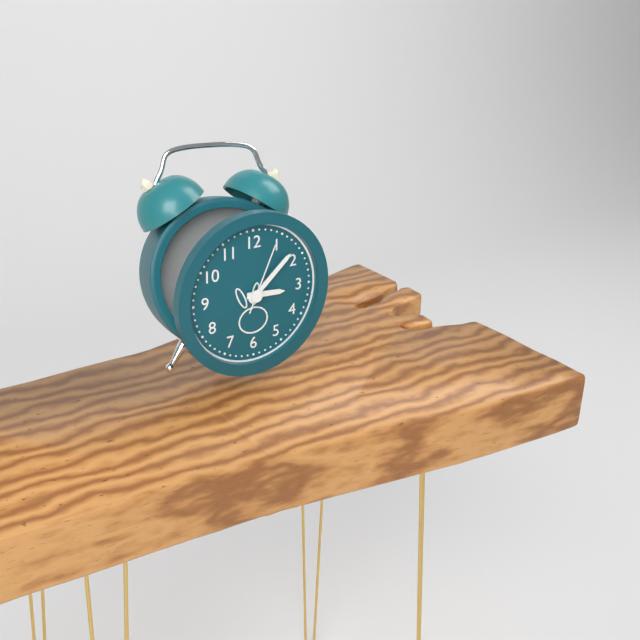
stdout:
**3:08:04**
